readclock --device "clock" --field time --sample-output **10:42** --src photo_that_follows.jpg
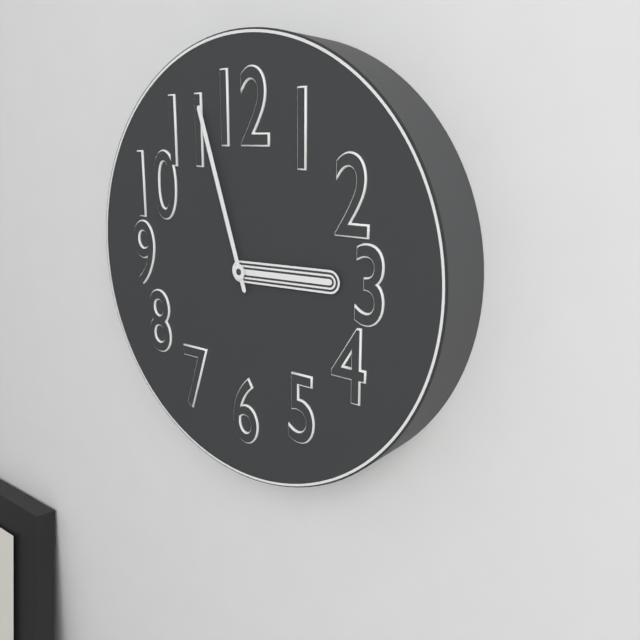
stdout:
**2:57**
